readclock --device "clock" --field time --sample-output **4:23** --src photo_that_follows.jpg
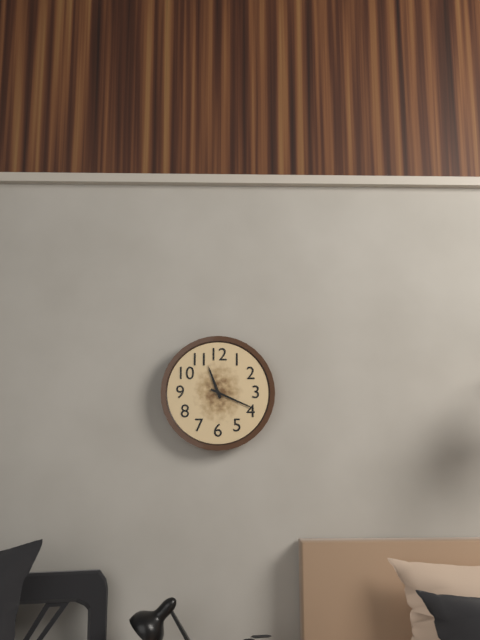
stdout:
**11:19**
